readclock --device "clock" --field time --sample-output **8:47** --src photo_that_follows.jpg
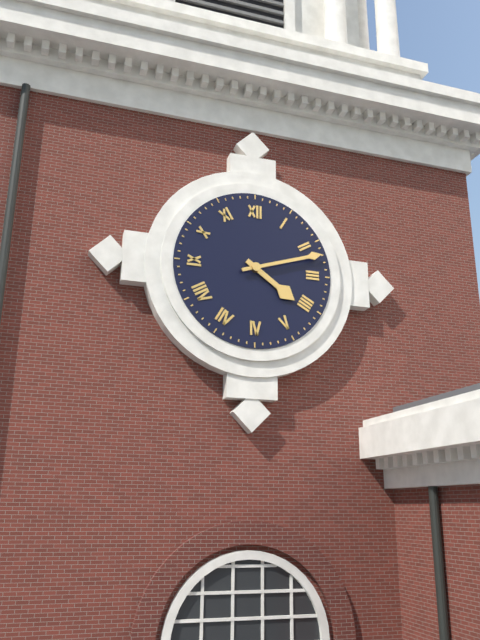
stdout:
**4:12**
